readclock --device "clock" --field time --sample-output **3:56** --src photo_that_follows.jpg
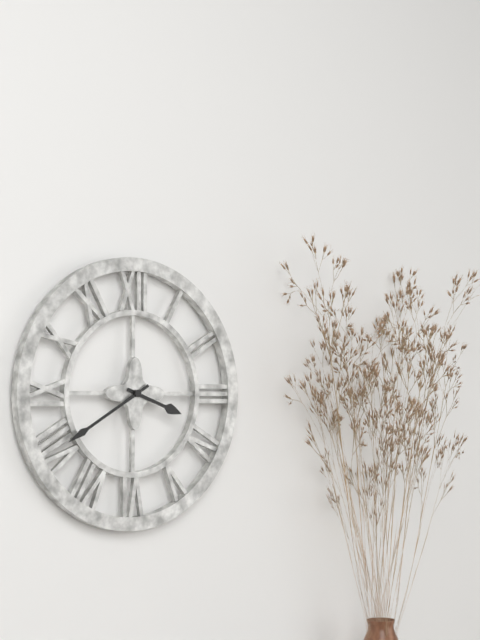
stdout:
**3:40**
